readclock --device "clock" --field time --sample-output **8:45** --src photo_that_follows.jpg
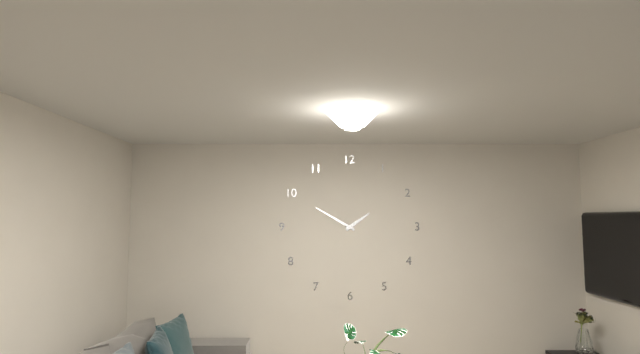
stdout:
**1:50**
